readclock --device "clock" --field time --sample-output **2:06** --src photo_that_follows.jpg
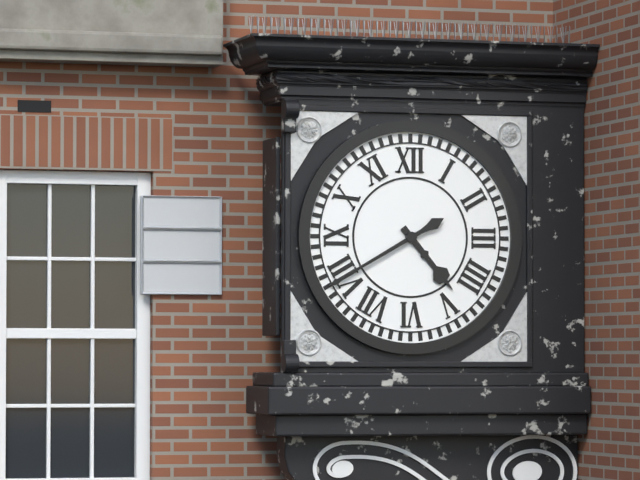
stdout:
**4:40**
